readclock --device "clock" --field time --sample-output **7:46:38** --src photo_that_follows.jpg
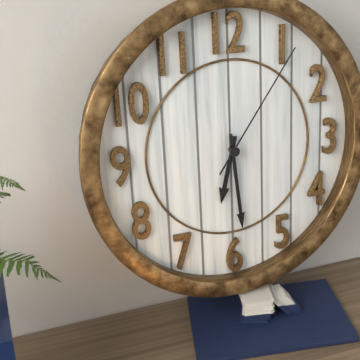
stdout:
**6:29:06**
